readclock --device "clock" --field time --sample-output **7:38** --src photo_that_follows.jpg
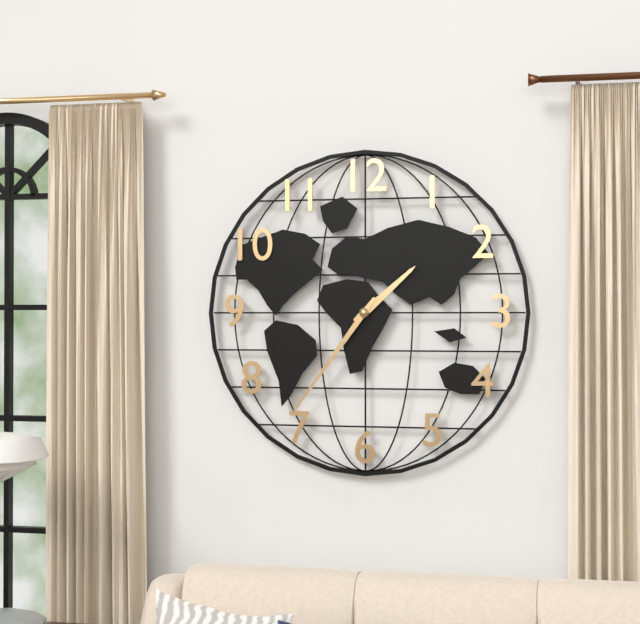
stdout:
**1:36**
